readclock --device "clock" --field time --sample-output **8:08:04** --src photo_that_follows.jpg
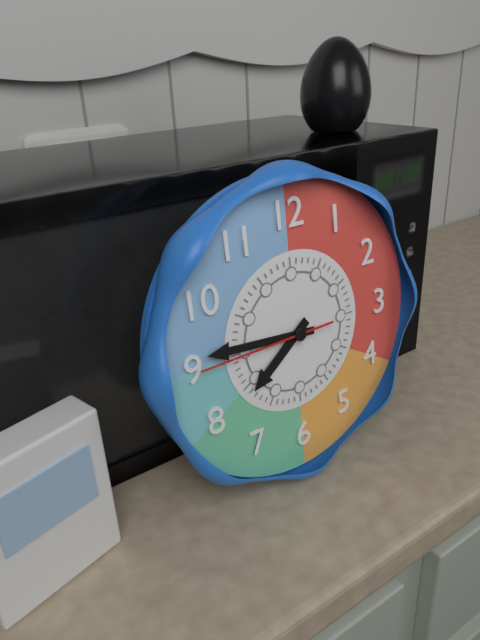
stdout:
**7:46:45**
